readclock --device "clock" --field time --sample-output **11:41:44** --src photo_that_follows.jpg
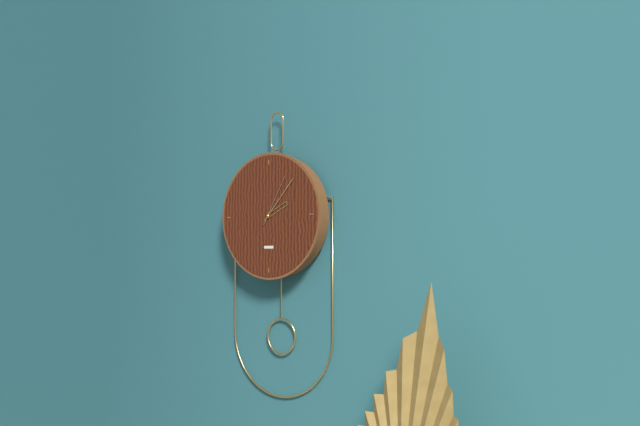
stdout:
**2:07:05**
